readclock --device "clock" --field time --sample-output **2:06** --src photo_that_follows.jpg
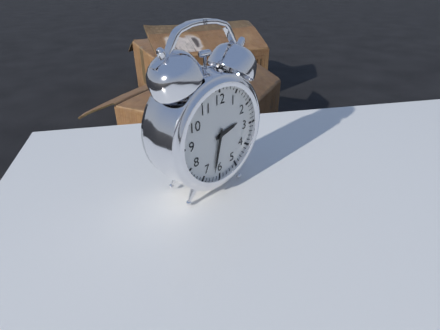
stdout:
**2:32**
